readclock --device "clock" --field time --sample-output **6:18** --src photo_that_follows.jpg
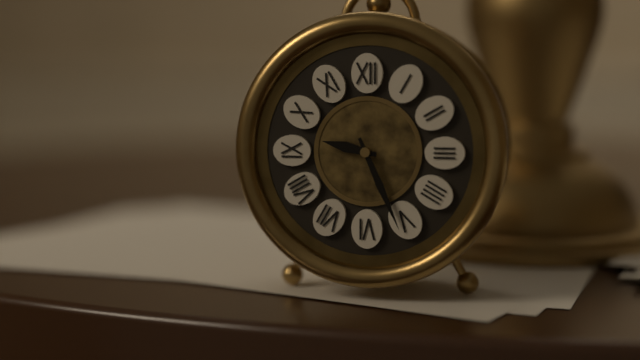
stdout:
**9:26**
